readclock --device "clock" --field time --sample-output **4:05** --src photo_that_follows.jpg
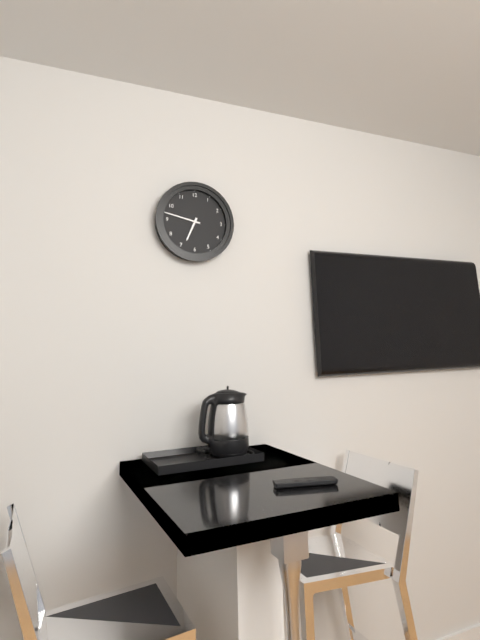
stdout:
**6:47**
